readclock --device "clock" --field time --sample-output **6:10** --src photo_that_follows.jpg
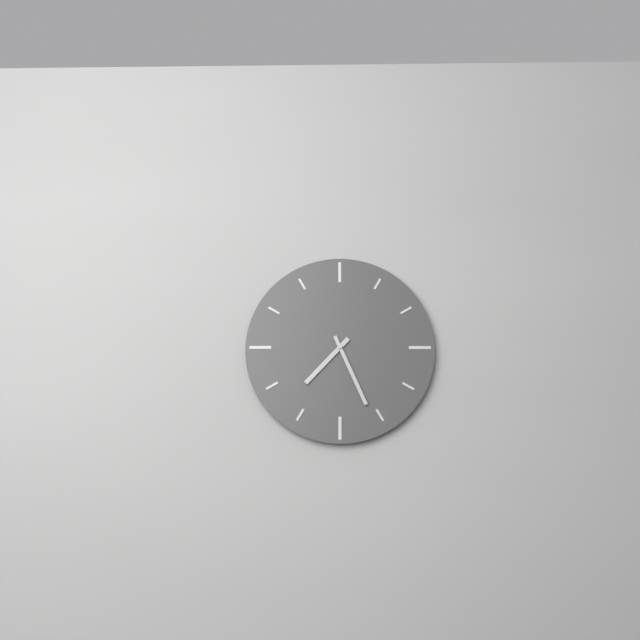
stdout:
**7:26**
